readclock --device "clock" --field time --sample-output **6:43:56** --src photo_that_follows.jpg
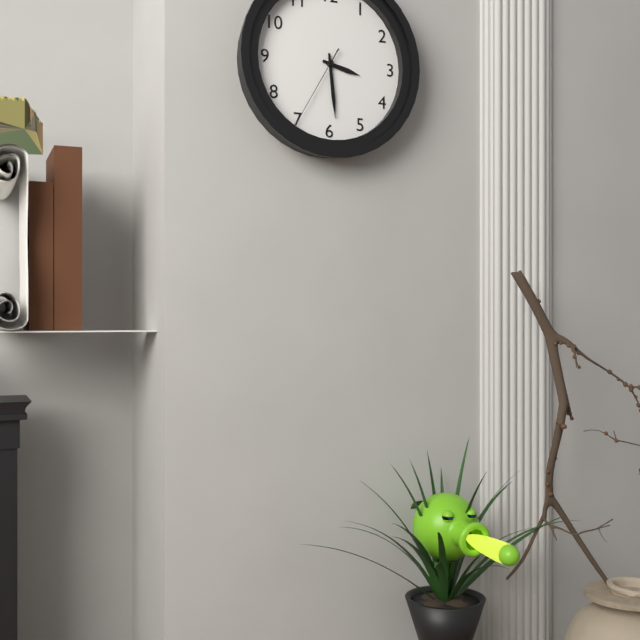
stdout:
**3:29:35**
